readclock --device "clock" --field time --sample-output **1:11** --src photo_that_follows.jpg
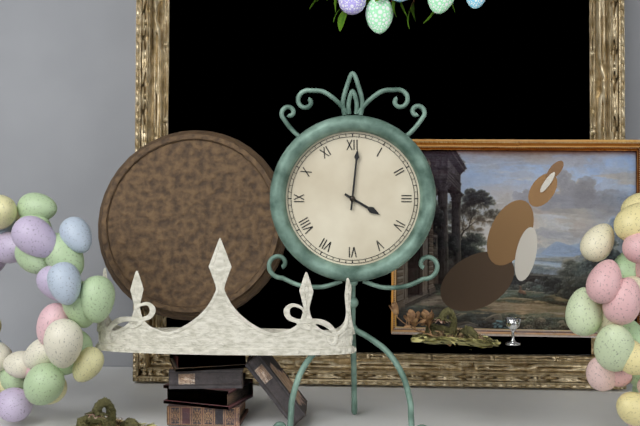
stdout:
**4:01**
